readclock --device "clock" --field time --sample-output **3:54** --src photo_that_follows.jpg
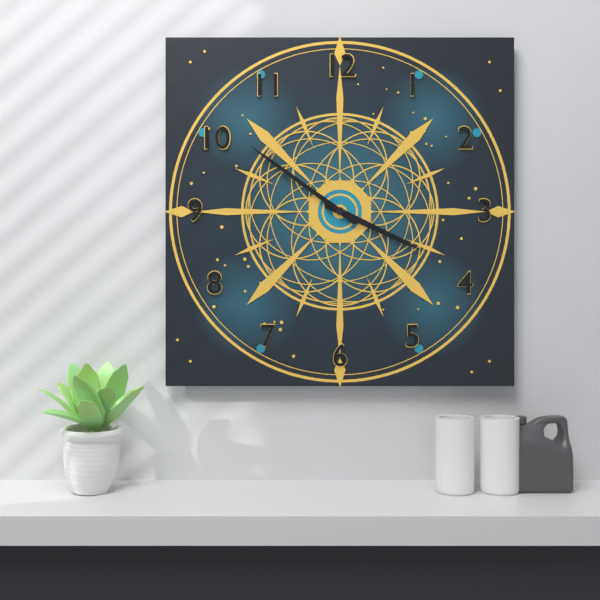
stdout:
**3:51**
